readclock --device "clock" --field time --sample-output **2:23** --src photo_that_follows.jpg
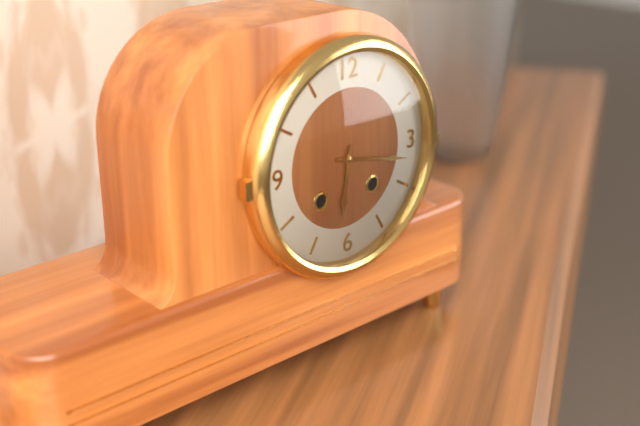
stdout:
**6:17**
